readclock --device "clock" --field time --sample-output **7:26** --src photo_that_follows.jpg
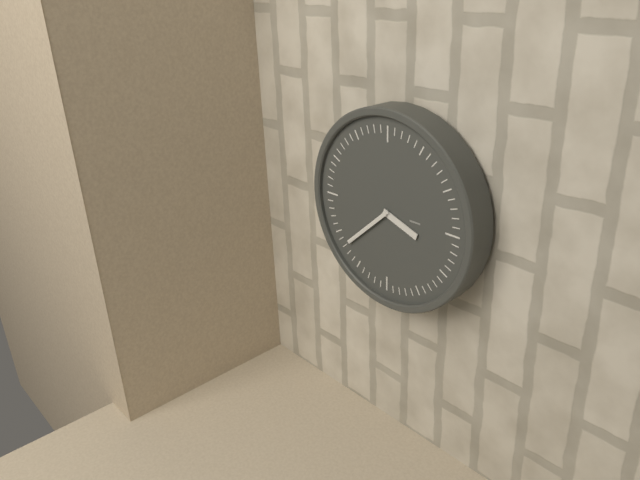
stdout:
**3:38**
